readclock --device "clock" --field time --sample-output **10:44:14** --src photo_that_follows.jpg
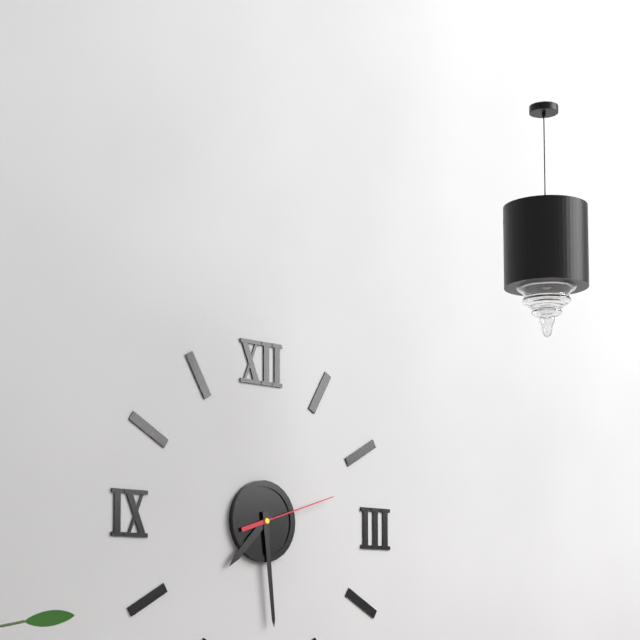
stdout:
**7:29:12**
